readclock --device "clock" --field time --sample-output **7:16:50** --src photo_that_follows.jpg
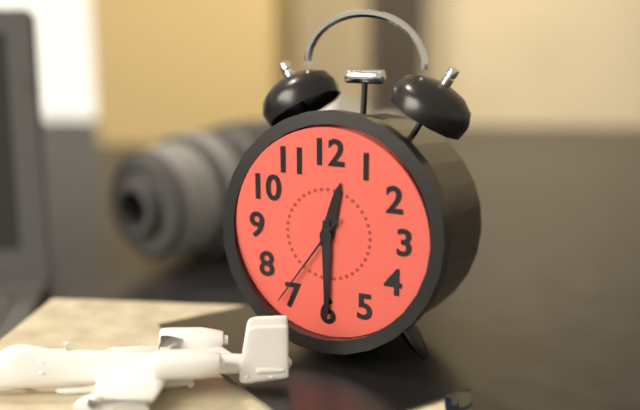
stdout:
**12:30:36**
